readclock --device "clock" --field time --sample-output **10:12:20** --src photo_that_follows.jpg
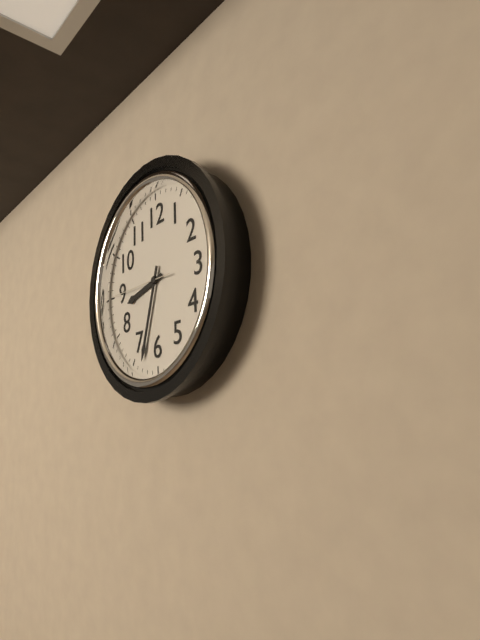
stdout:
**8:33:45**
